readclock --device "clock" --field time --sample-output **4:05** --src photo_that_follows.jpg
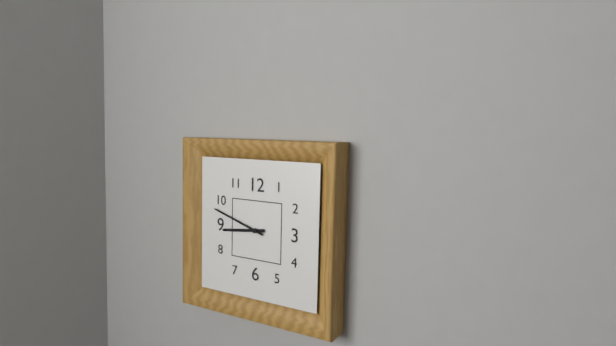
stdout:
**8:48**
